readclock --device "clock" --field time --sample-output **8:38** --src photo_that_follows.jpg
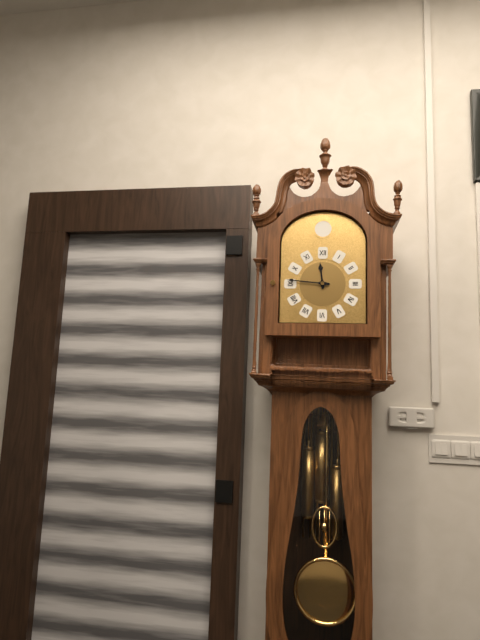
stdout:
**11:46**
